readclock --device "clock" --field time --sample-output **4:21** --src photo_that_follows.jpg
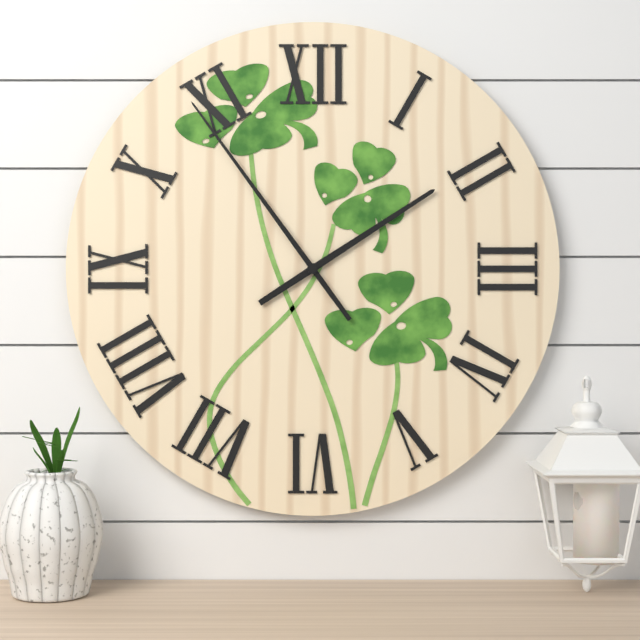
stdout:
**1:54**
